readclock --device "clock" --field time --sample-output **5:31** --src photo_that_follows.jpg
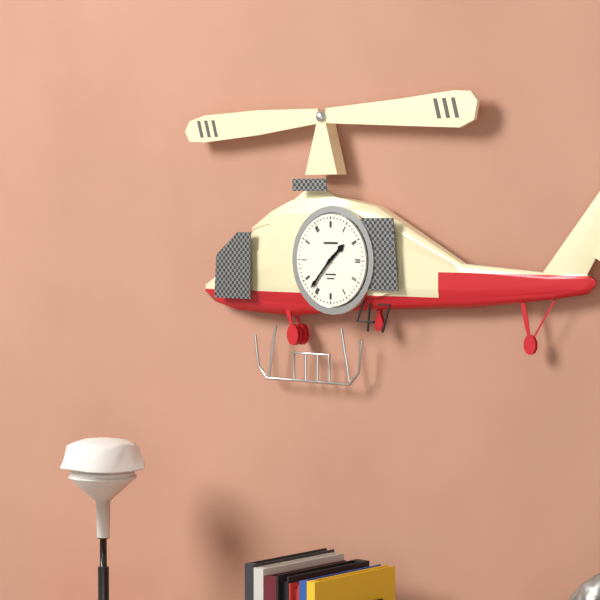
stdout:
**1:37**
